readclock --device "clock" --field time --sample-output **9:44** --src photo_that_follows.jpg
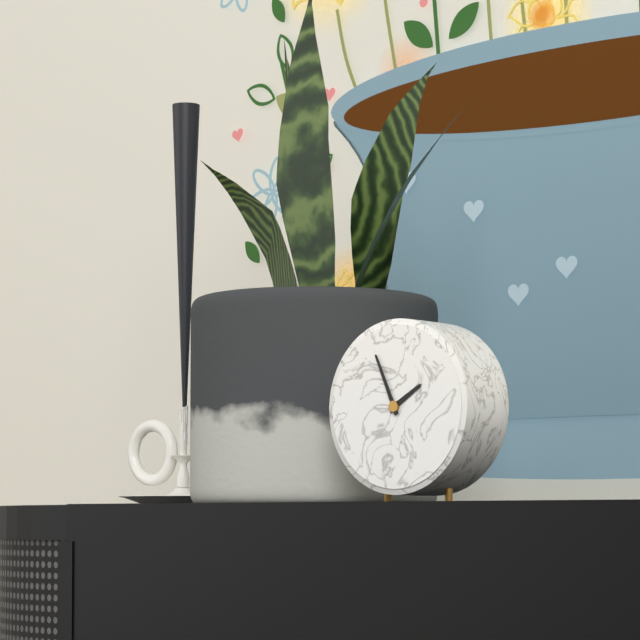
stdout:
**1:56**
